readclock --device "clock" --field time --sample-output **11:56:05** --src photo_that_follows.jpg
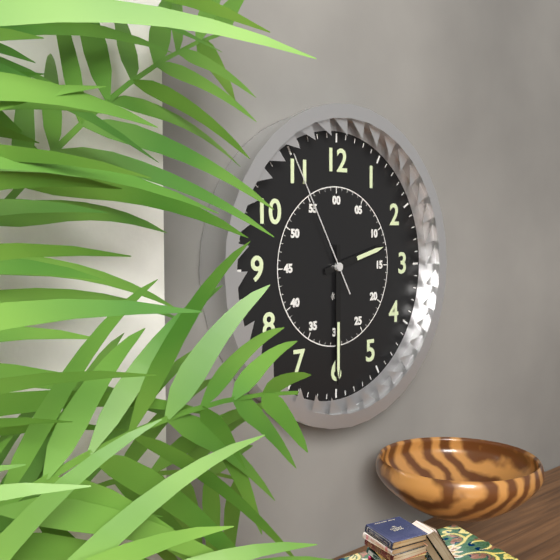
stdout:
**2:30:55**
